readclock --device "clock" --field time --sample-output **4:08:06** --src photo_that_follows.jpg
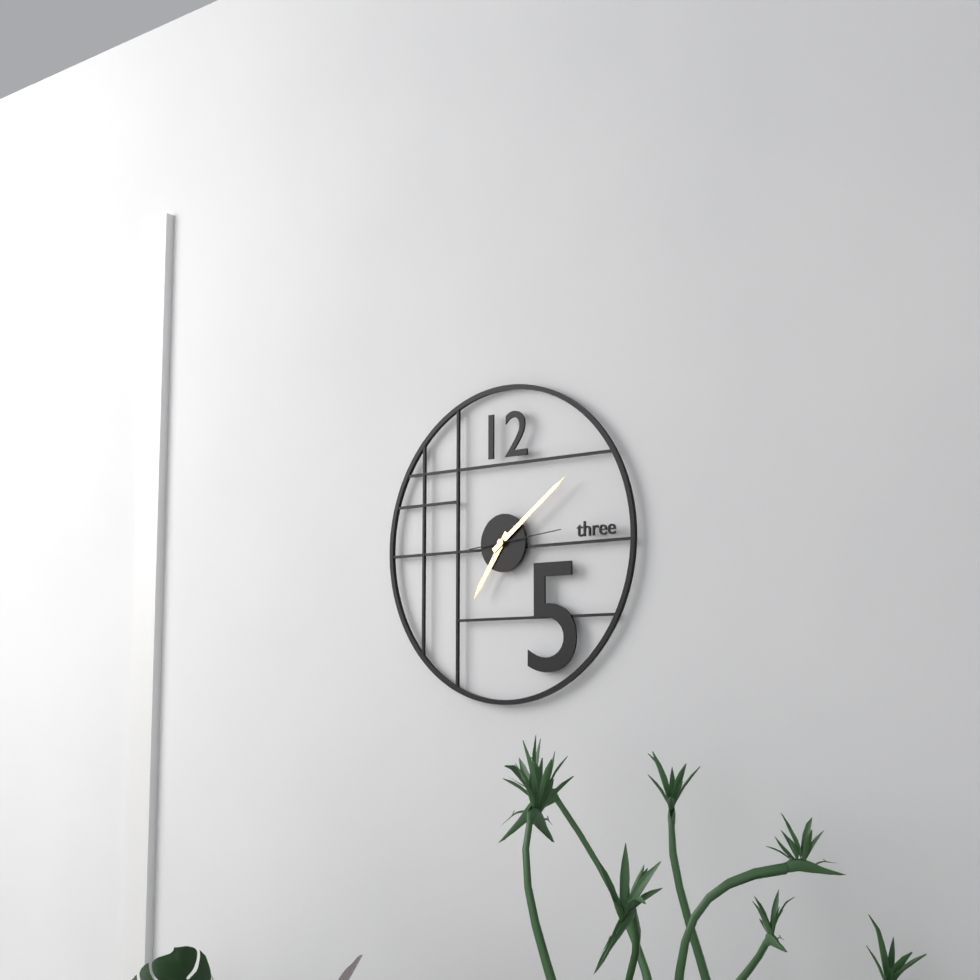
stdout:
**7:09:14**
